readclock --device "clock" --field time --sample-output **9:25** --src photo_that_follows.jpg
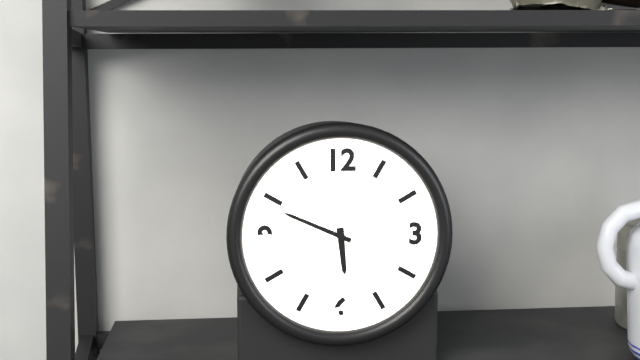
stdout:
**5:49**
